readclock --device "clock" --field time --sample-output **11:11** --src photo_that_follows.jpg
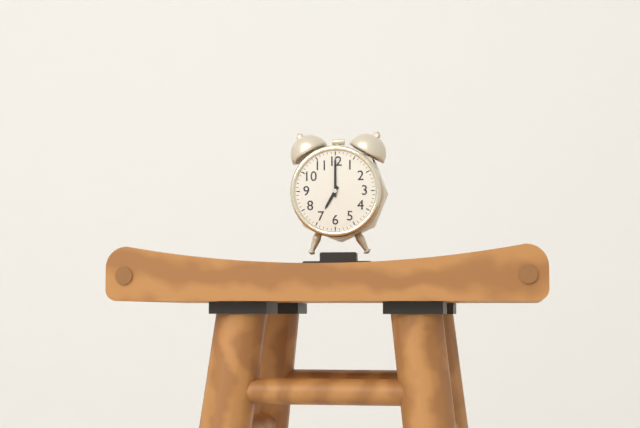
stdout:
**7:00**
